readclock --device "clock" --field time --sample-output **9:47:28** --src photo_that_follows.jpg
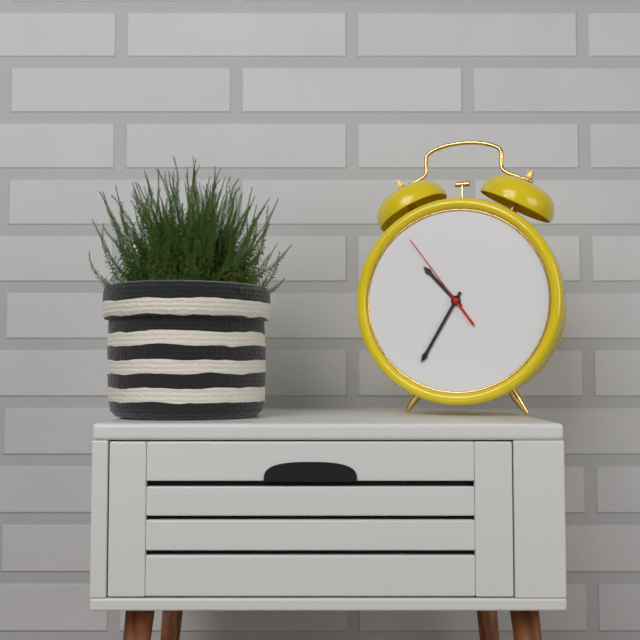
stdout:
**10:35:54**
